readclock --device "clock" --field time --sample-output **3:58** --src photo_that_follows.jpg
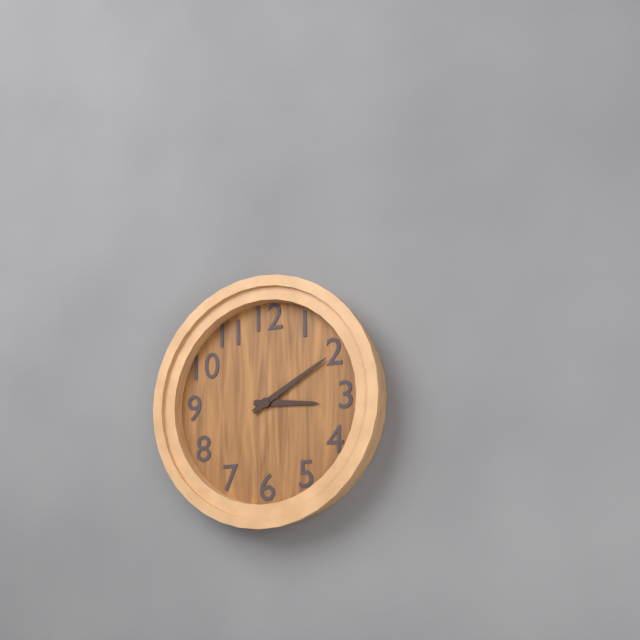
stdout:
**3:10**
